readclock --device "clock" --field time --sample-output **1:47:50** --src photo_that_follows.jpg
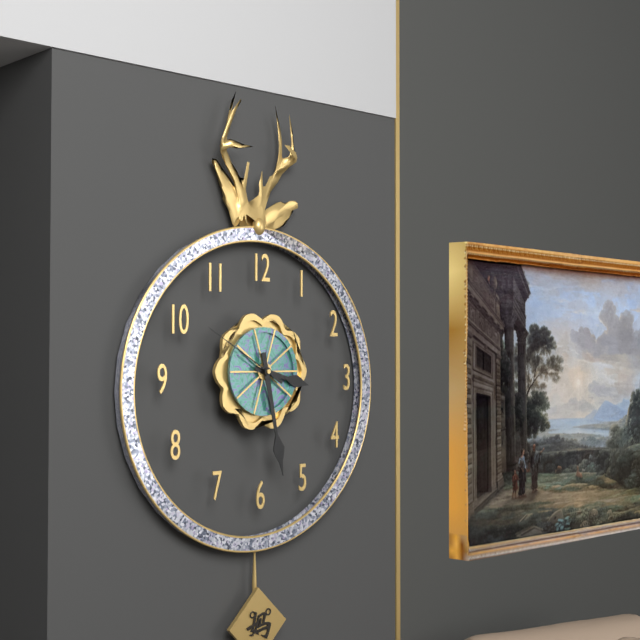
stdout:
**3:28:50**
